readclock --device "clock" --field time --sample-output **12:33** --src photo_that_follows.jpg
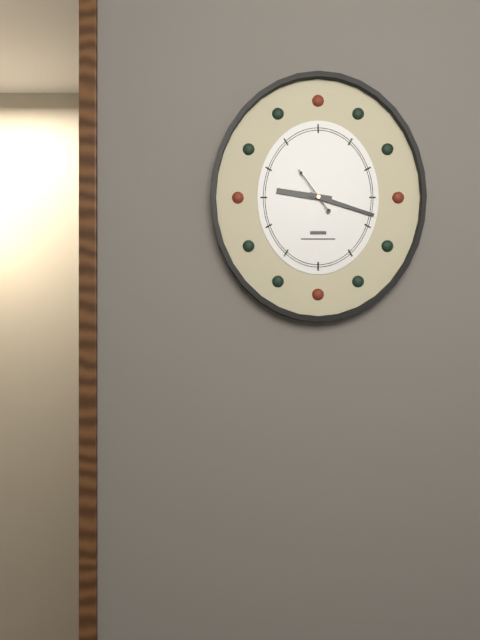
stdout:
**9:18**
